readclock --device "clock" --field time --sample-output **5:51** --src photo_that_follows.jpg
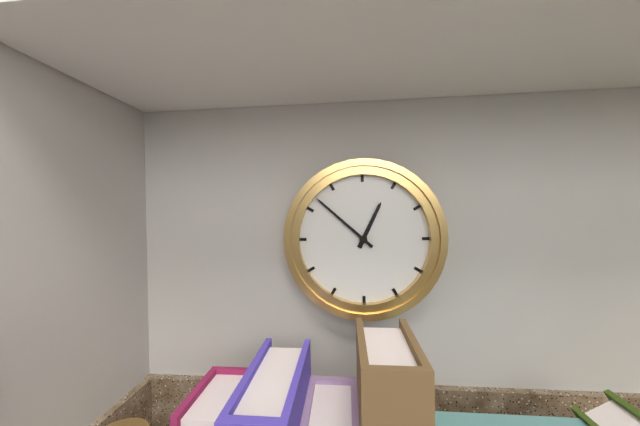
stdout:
**12:52**
